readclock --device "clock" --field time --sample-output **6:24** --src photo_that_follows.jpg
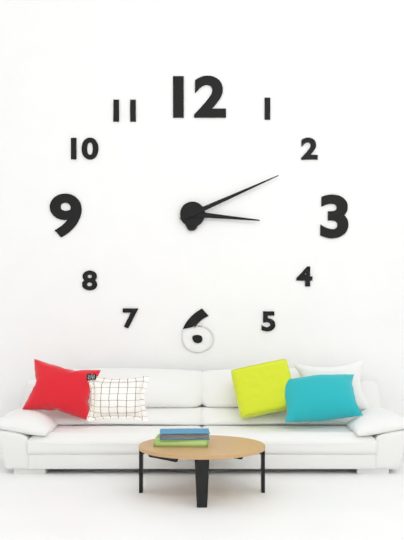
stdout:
**3:11**
